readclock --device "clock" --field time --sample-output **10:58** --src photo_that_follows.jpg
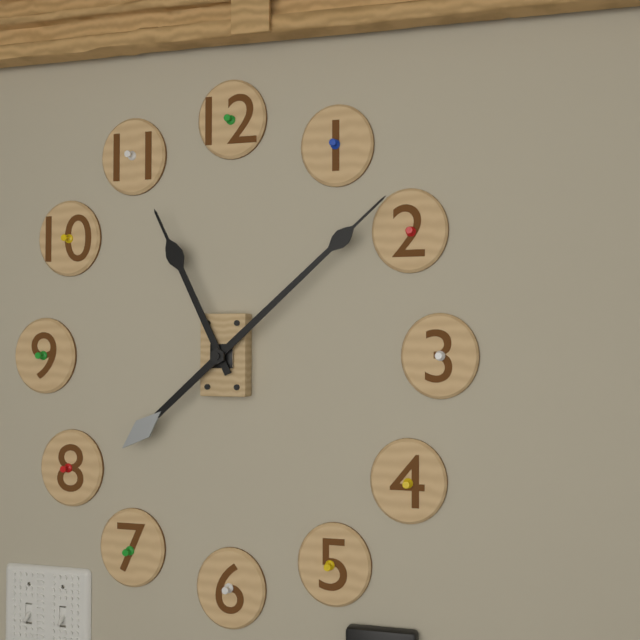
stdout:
**11:08**
